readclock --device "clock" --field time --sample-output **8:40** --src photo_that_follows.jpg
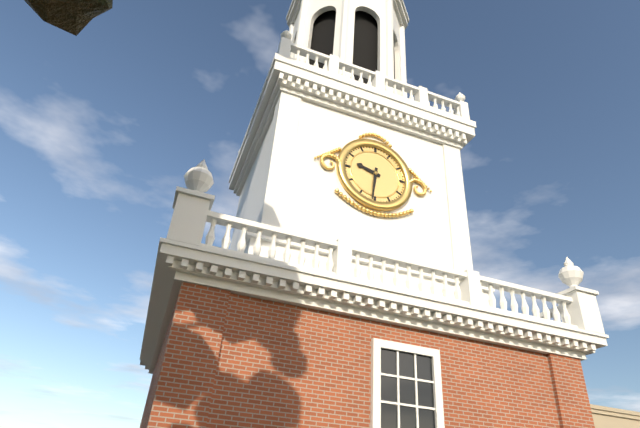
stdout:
**9:31**
